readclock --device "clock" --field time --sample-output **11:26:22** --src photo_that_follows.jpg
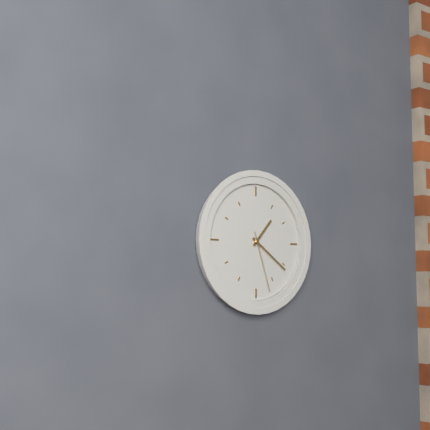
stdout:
**1:21:27**
